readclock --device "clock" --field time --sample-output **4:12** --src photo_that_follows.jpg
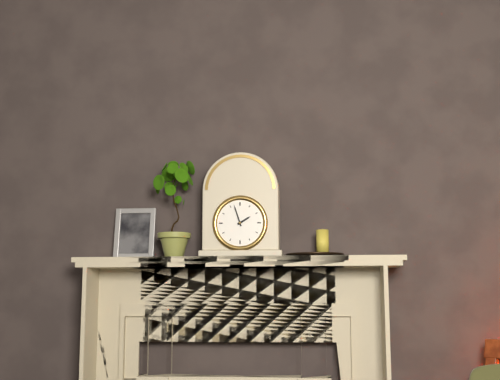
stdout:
**1:57**
